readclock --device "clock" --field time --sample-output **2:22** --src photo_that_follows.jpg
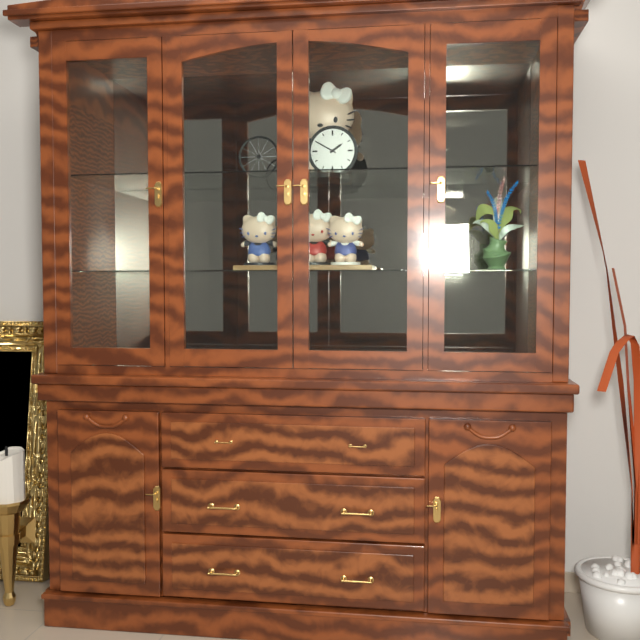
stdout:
**1:50**
